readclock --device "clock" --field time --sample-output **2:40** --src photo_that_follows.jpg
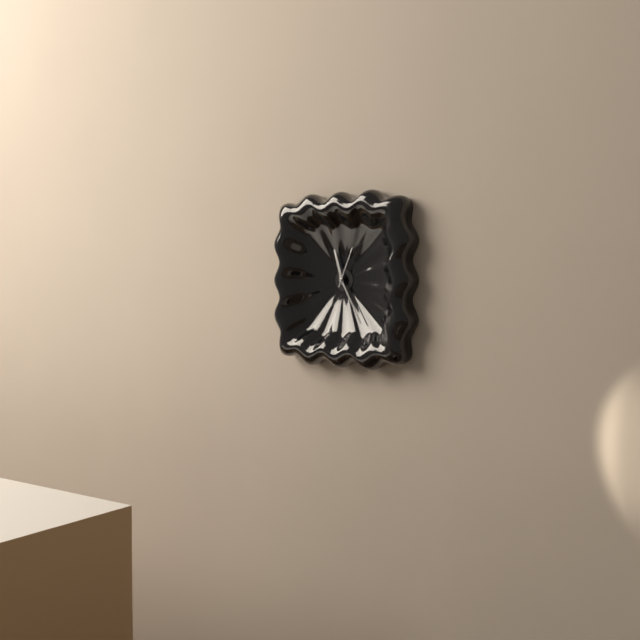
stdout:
**11:25**
